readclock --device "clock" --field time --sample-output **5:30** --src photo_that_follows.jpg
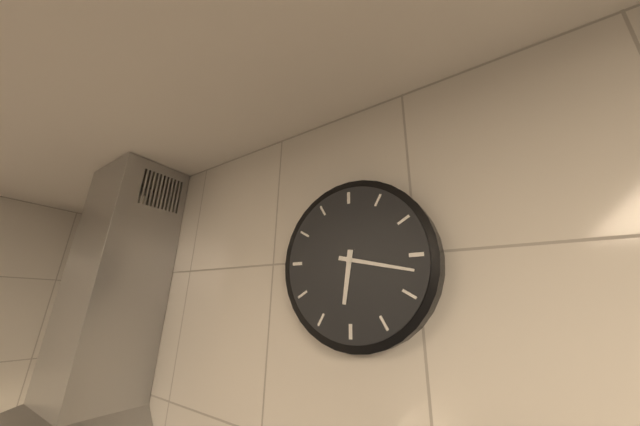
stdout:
**6:17**
